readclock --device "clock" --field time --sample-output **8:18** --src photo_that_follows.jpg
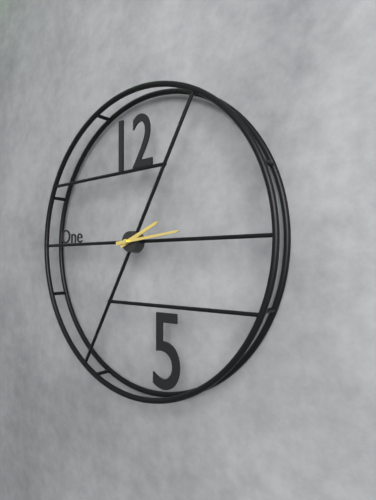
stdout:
**2:14**
